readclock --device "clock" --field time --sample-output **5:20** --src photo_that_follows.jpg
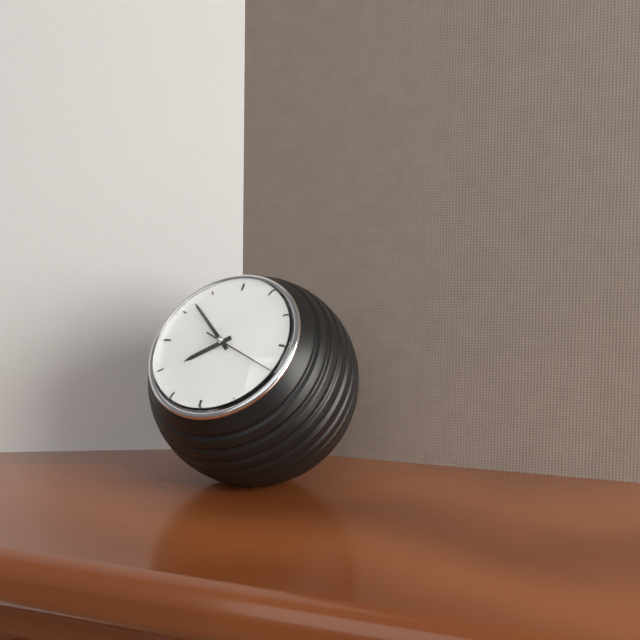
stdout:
**7:52**
